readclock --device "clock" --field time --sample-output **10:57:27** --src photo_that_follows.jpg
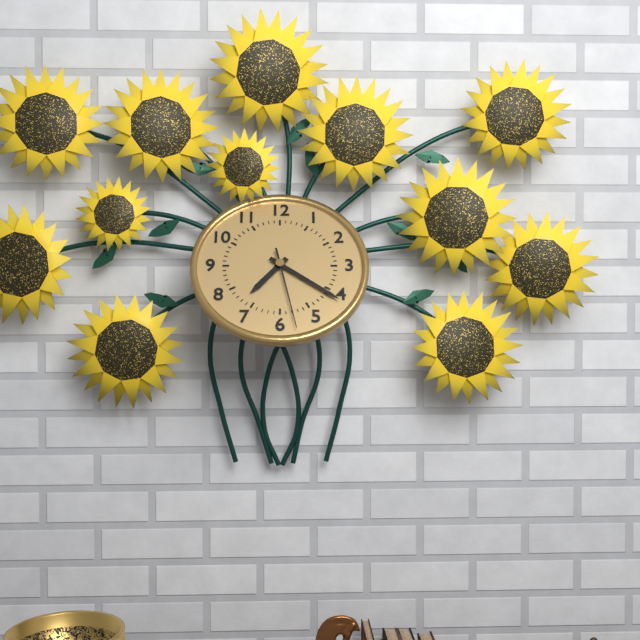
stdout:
**7:21:28**
